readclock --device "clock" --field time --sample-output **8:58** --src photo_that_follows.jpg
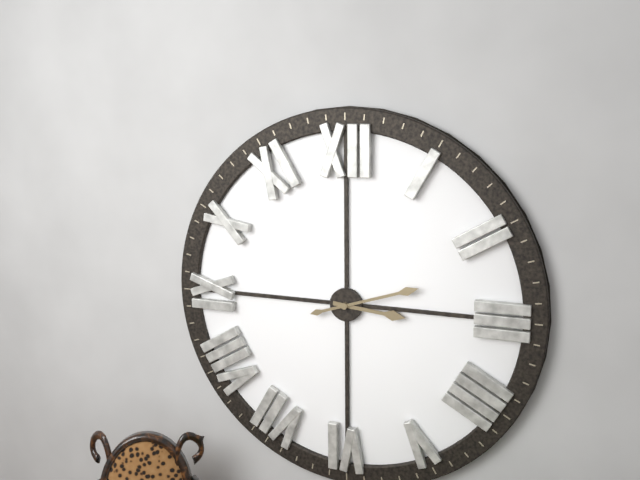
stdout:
**3:12**
